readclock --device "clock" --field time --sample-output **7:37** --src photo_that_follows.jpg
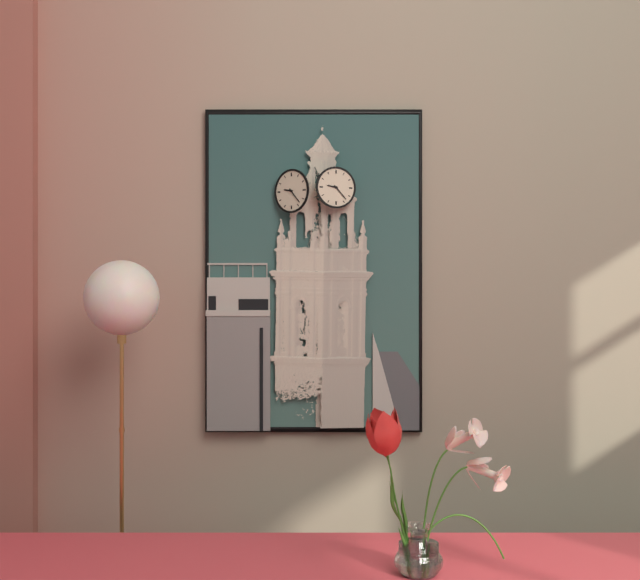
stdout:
**9:23**
